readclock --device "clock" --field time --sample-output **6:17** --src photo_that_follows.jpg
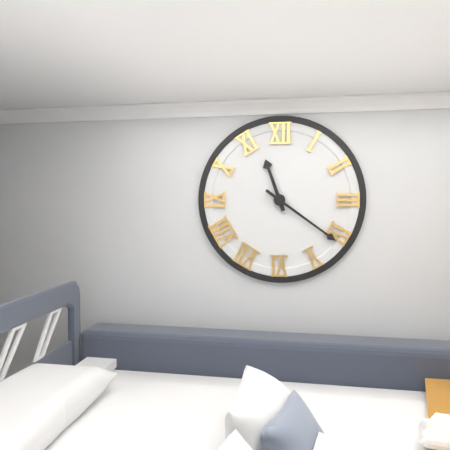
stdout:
**11:21**
